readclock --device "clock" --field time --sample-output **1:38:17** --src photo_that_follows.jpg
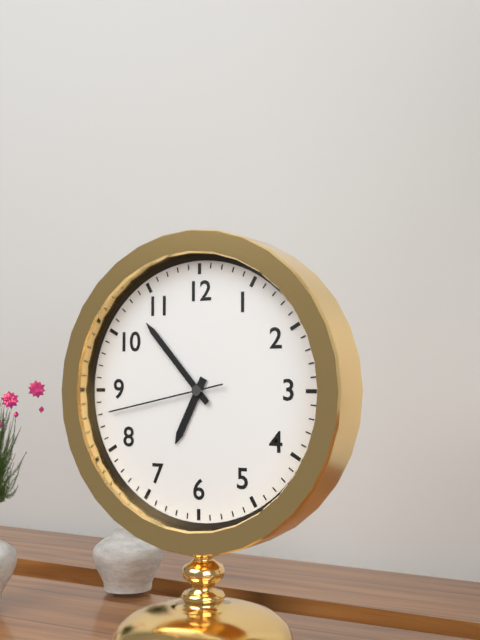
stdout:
**6:53:43**
